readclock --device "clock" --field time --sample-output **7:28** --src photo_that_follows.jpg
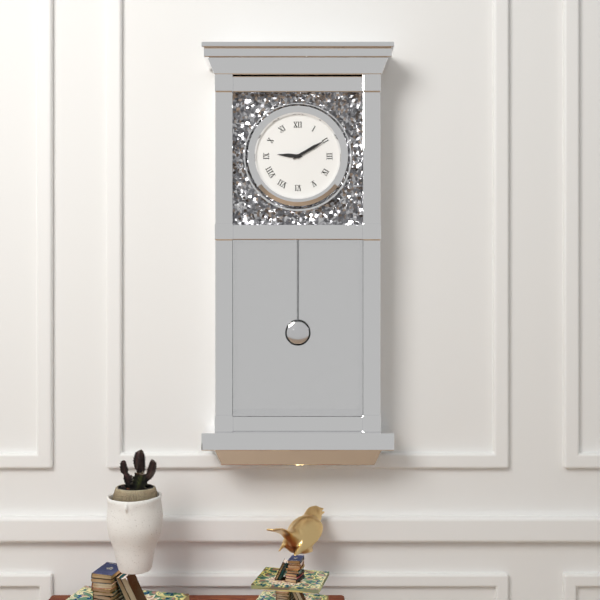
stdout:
**9:10**
